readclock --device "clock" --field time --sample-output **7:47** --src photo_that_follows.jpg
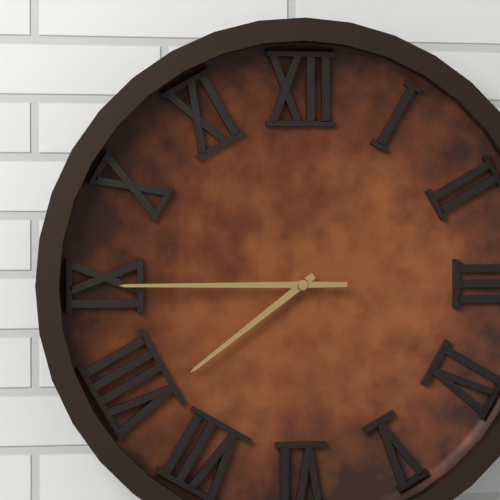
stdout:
**7:45**
